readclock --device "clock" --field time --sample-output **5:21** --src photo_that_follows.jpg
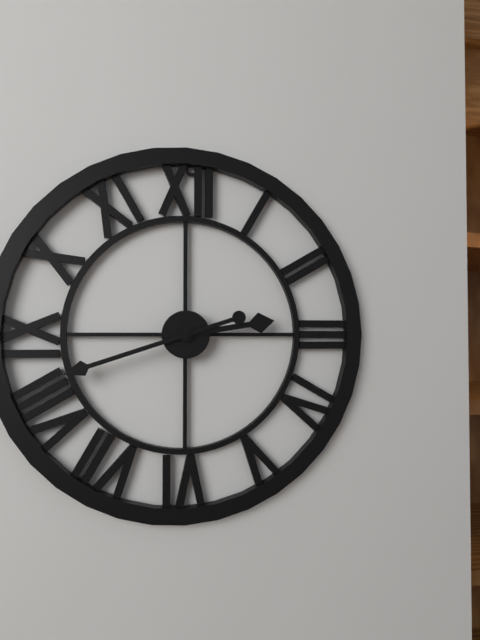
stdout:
**2:42**
